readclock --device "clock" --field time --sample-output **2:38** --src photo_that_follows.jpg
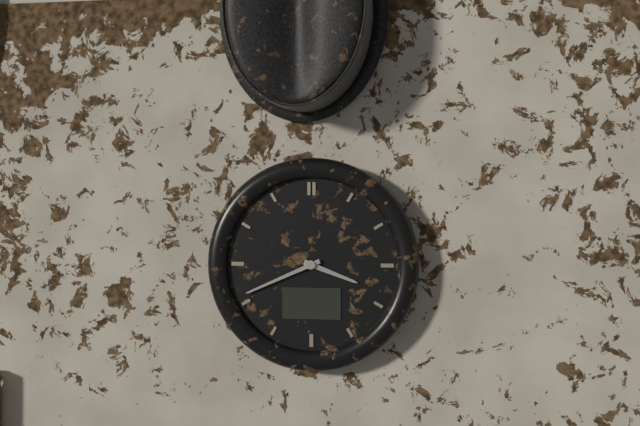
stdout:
**3:41**
